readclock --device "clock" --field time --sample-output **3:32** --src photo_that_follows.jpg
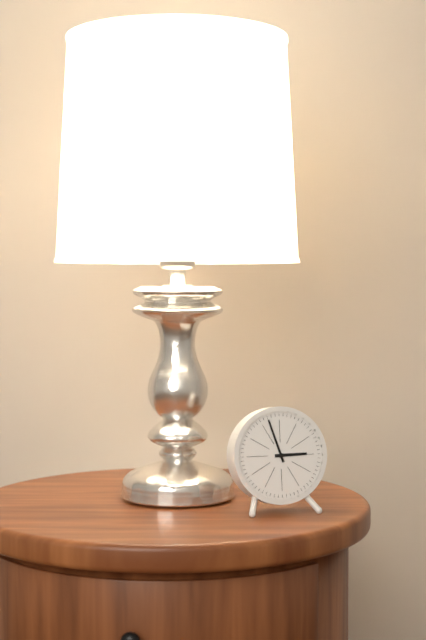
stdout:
**2:57**
